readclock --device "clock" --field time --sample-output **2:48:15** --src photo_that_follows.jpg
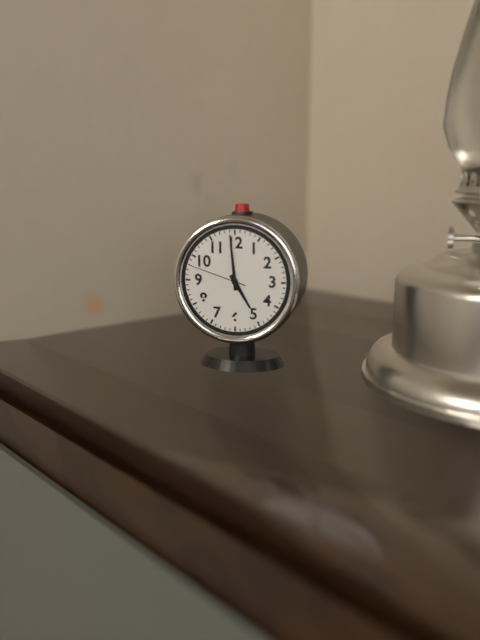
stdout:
**4:59:48**
